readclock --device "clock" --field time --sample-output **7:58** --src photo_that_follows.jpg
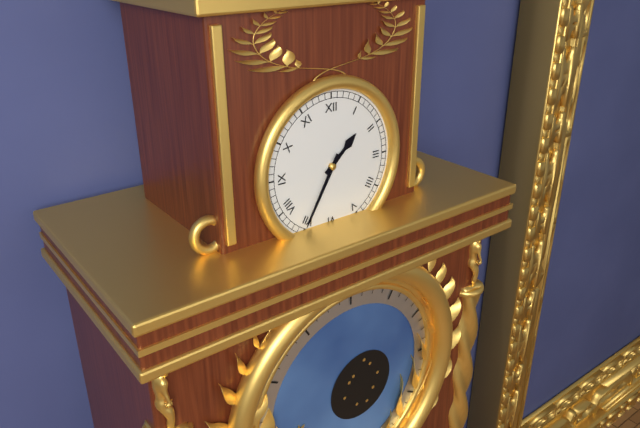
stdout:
**1:35**
